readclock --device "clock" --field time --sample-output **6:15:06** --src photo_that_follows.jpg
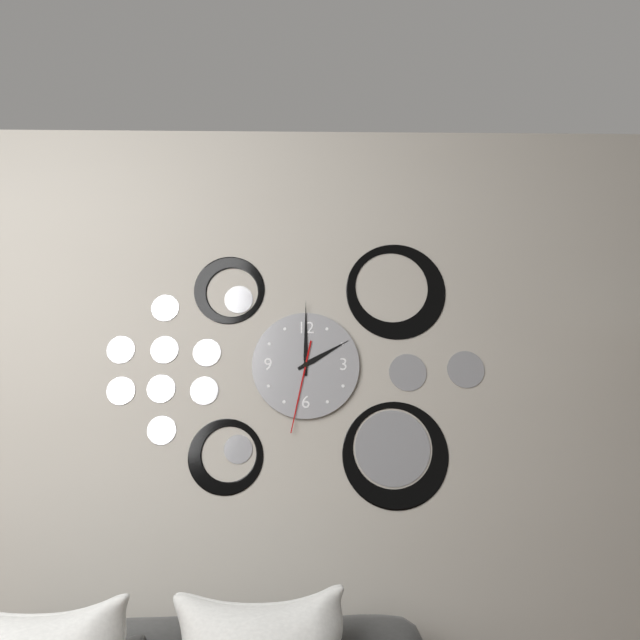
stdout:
**2:00:32**
